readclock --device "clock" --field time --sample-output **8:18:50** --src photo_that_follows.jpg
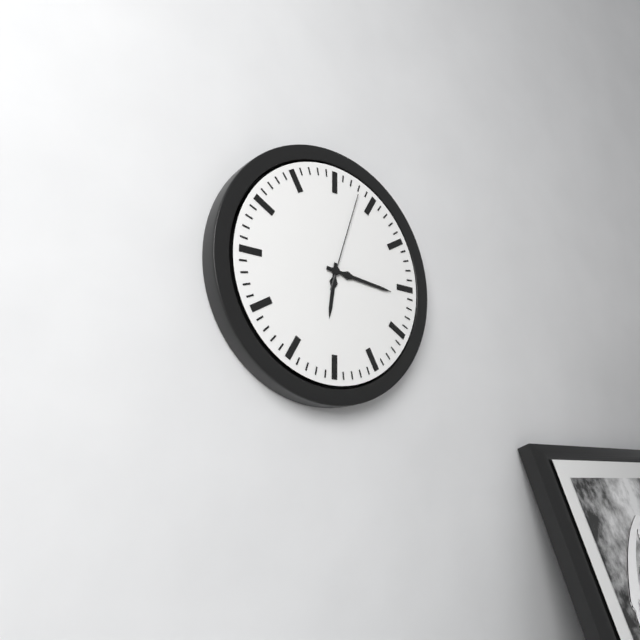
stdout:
**6:16:03**
